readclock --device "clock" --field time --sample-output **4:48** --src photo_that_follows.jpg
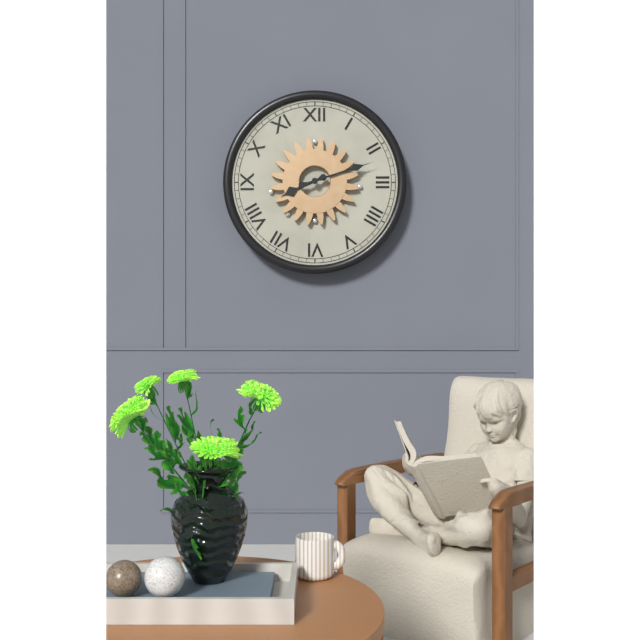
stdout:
**8:12**
